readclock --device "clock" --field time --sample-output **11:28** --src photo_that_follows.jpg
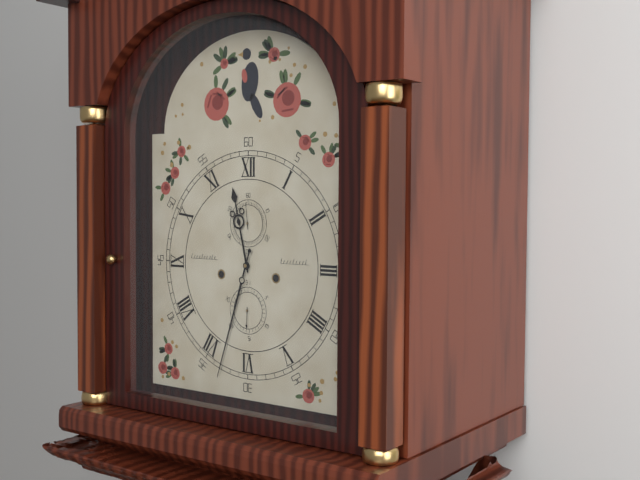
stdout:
**11:33**
